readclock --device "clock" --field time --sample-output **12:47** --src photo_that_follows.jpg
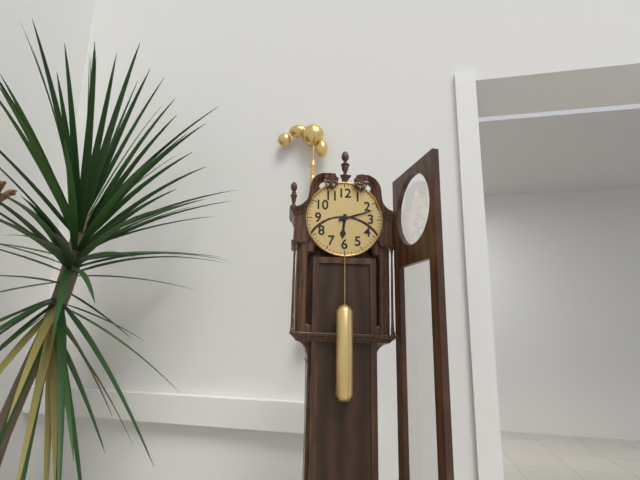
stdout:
**6:12**
